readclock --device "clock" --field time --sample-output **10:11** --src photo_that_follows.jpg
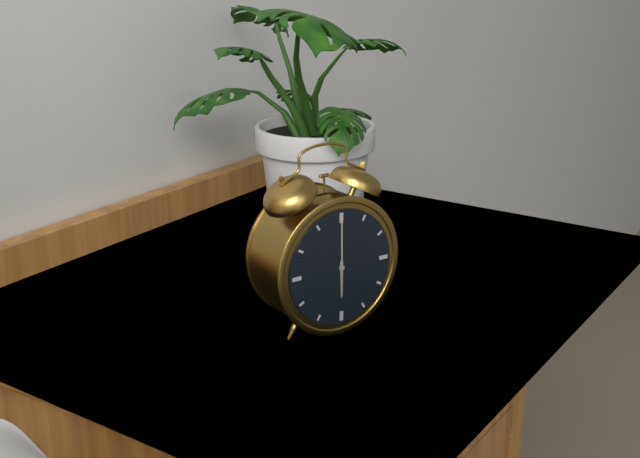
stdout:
**6:00**
